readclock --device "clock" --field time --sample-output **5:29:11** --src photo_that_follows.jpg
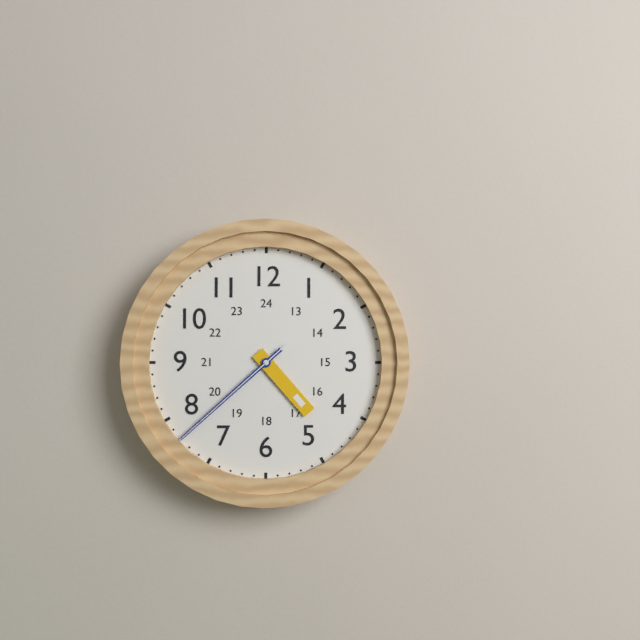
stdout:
**4:38:38**
